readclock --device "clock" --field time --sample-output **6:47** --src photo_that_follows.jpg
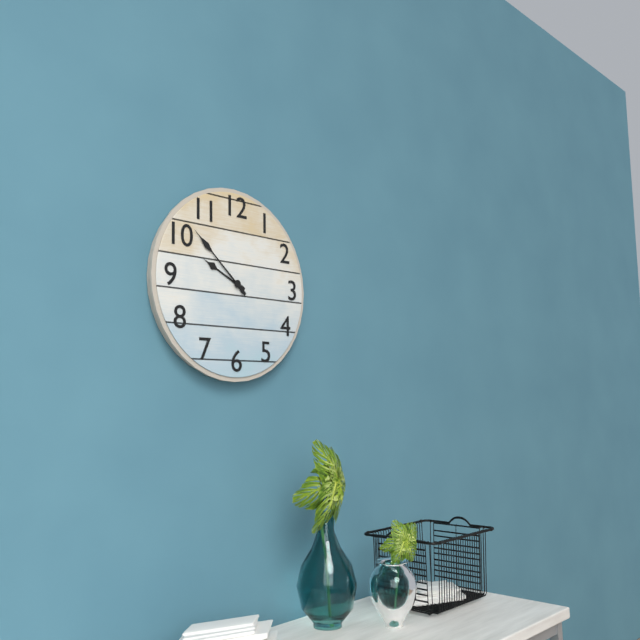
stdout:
**9:52**
